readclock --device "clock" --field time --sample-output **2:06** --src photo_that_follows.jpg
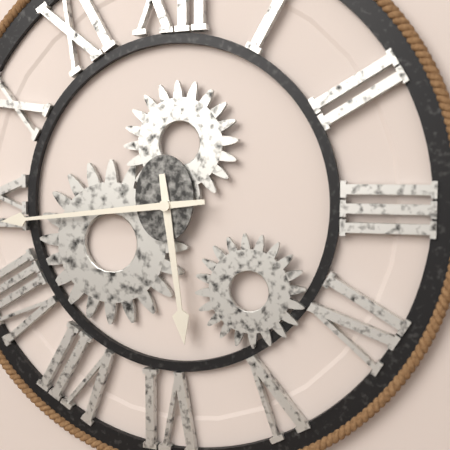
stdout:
**5:44**
